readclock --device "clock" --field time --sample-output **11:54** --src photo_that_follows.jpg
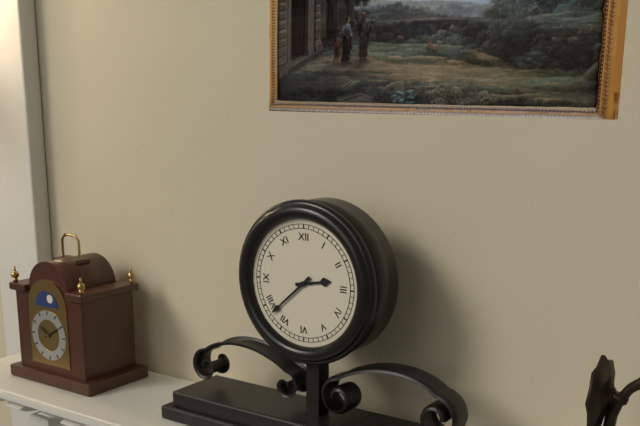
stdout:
**2:38**
